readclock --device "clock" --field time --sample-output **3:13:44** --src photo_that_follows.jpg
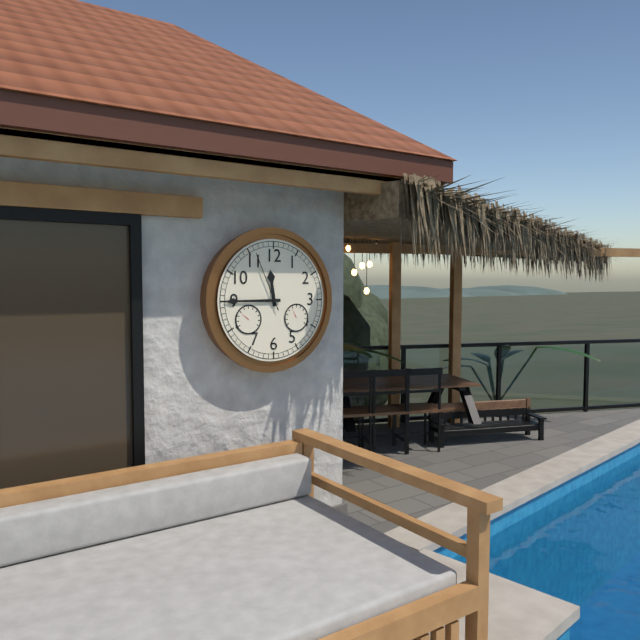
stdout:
**11:45:56**
